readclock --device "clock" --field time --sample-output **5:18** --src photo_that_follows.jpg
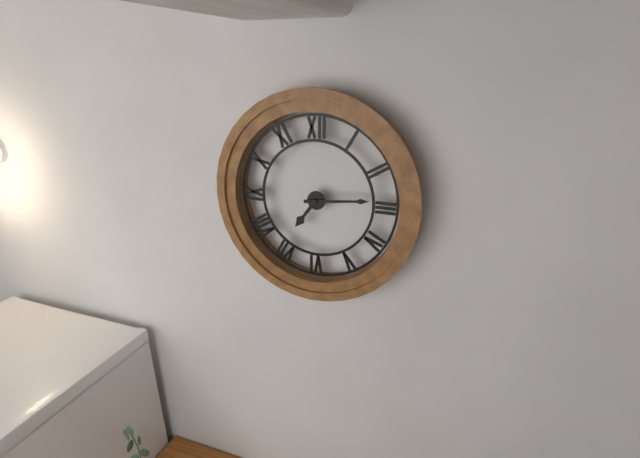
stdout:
**7:14**
